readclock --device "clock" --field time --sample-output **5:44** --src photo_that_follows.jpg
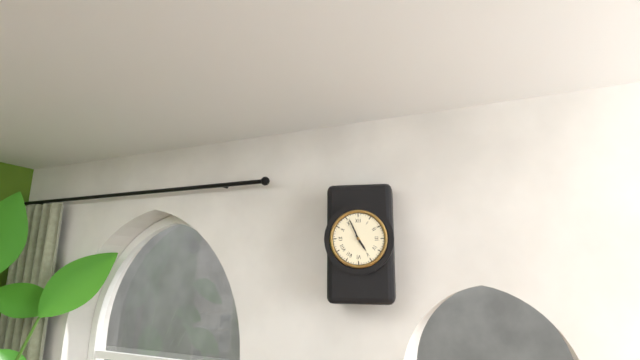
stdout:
**4:56**
